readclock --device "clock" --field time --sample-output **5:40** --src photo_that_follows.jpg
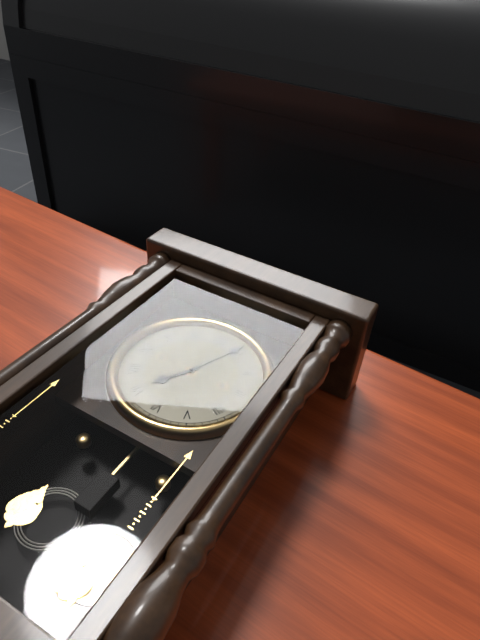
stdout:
**7:04**
